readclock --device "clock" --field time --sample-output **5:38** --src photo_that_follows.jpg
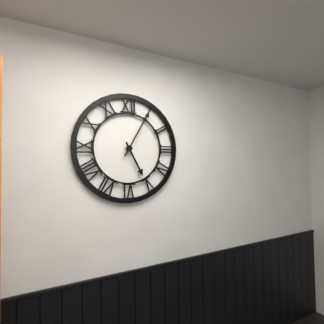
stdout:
**5:05**
